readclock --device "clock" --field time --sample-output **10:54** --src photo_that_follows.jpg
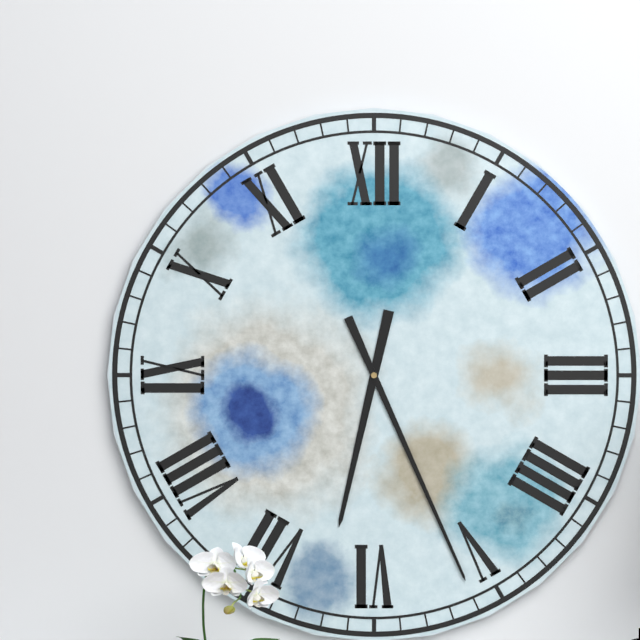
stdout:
**6:26**
